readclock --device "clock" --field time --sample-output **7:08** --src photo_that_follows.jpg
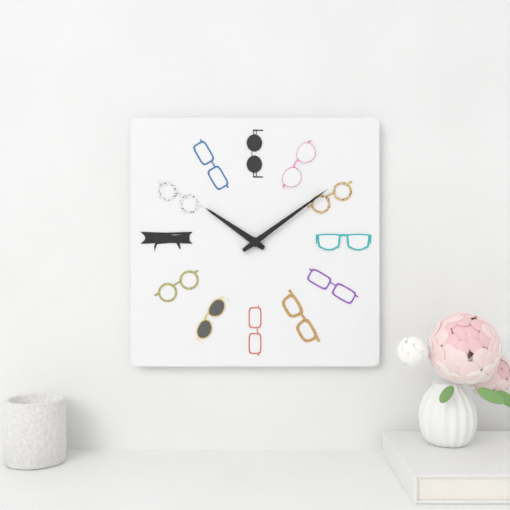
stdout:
**10:09**
